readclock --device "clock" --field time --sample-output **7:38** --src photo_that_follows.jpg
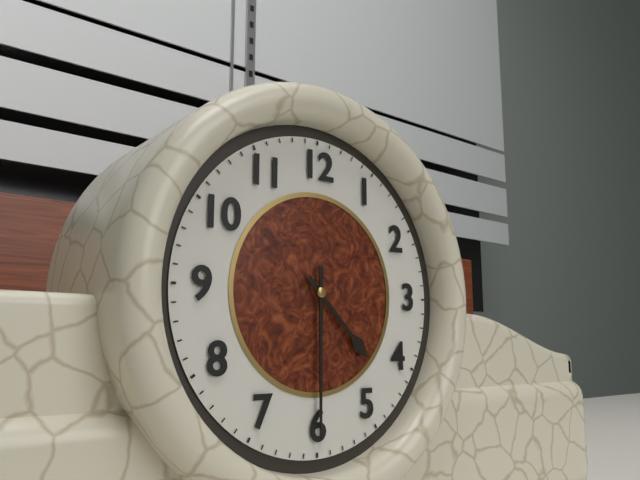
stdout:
**4:30**
